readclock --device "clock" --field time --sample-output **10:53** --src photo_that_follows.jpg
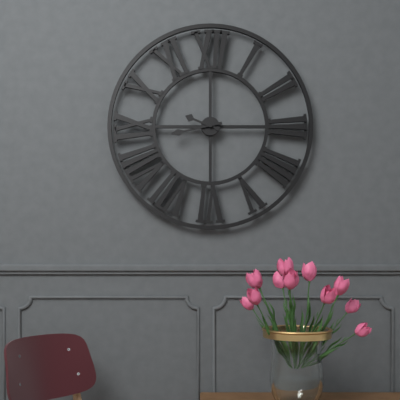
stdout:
**9:43**
